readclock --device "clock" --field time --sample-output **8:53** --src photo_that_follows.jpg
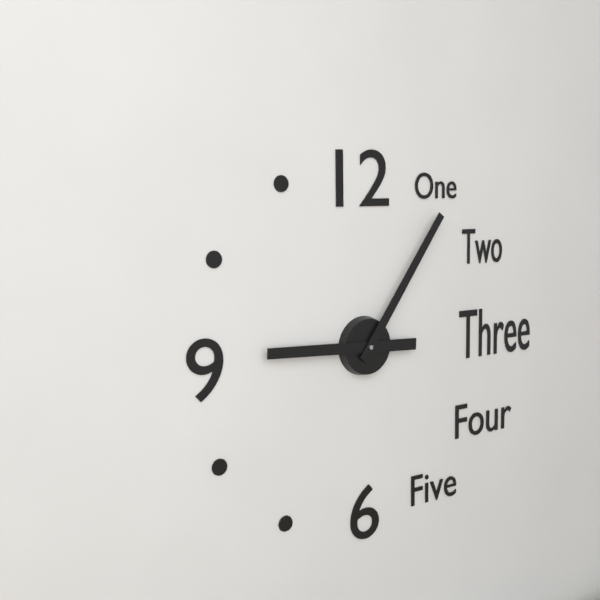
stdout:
**9:06**
